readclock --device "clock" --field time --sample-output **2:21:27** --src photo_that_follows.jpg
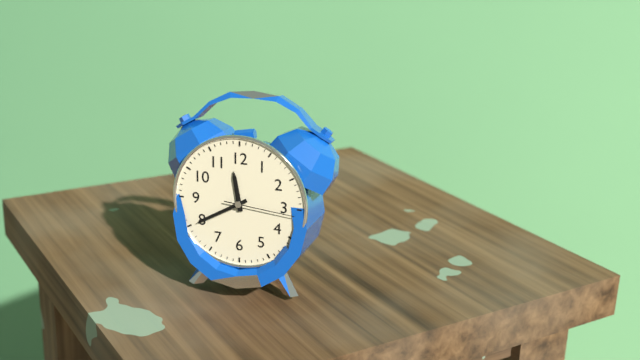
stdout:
**11:40:16**
